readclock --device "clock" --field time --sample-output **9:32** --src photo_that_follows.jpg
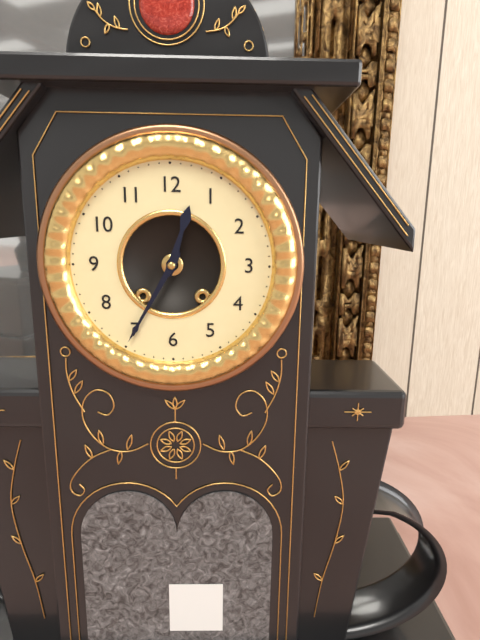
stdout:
**12:35**
